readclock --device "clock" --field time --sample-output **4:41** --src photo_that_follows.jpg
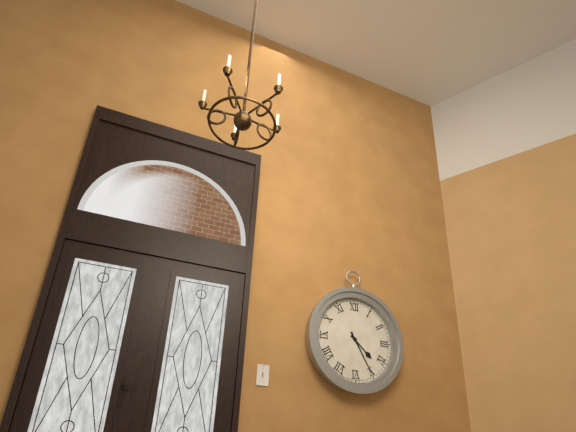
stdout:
**4:25**
